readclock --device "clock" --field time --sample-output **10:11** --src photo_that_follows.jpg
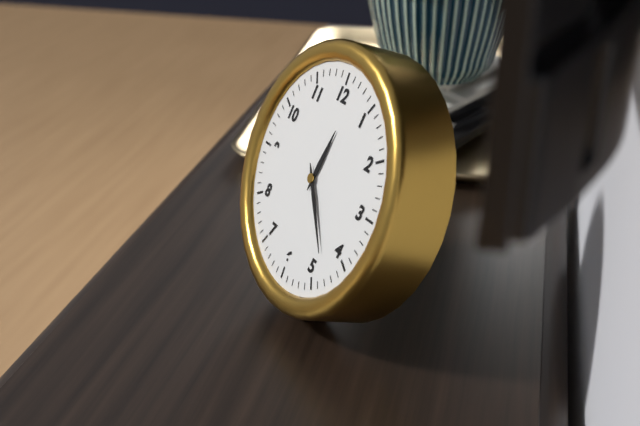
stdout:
**12:23**
